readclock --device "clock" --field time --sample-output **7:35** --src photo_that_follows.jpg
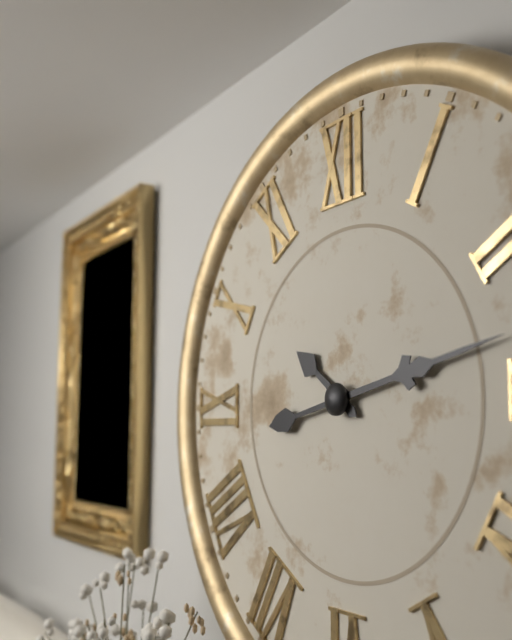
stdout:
**10:13**
